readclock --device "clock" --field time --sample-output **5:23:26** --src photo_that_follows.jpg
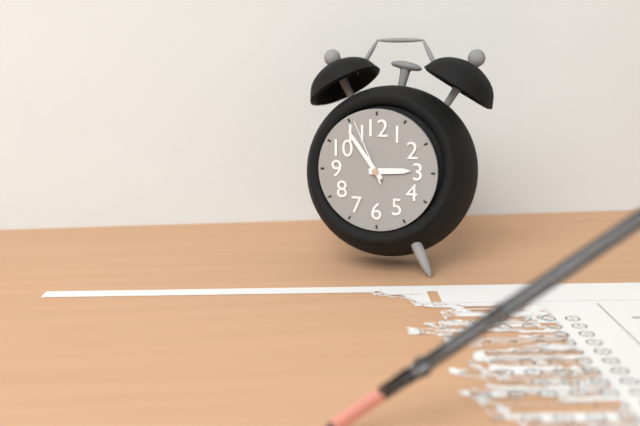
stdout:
**2:54:56**
